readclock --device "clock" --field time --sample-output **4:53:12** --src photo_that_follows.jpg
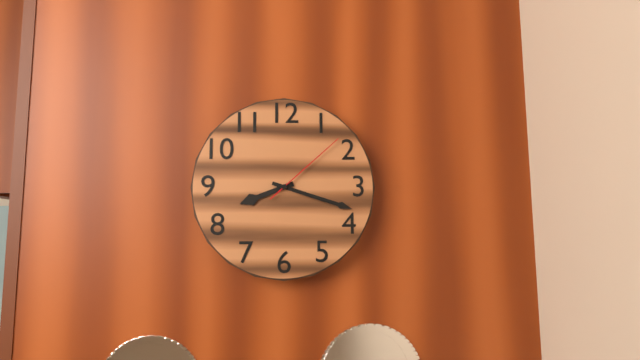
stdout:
**8:18:08**
